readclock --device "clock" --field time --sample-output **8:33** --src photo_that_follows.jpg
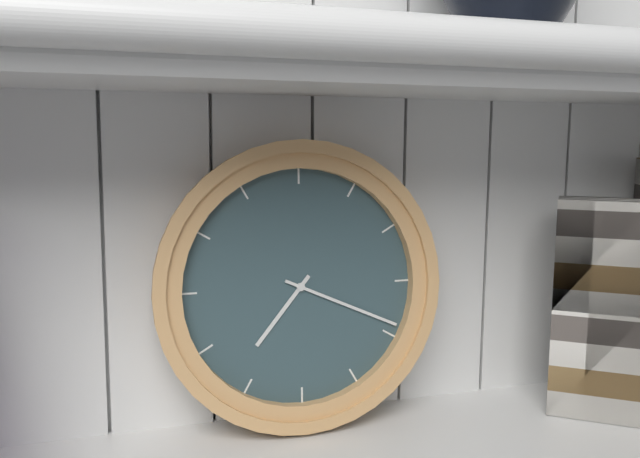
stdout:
**7:19**
